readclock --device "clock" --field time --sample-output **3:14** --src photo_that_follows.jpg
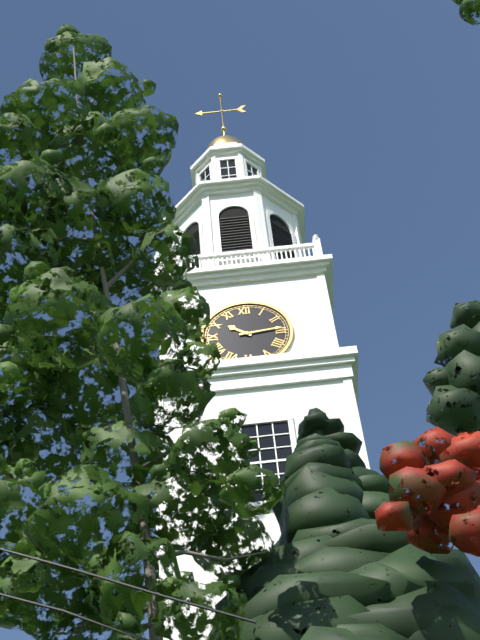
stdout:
**10:14**
